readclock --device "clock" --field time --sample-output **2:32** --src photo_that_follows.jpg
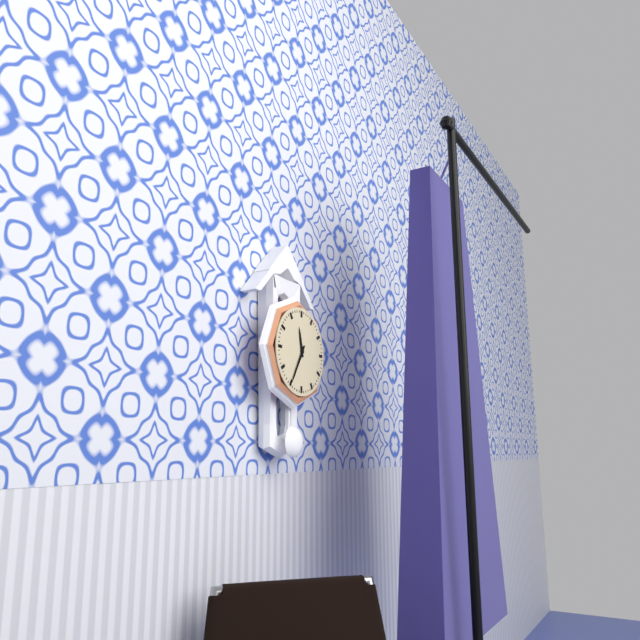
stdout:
**11:35**
